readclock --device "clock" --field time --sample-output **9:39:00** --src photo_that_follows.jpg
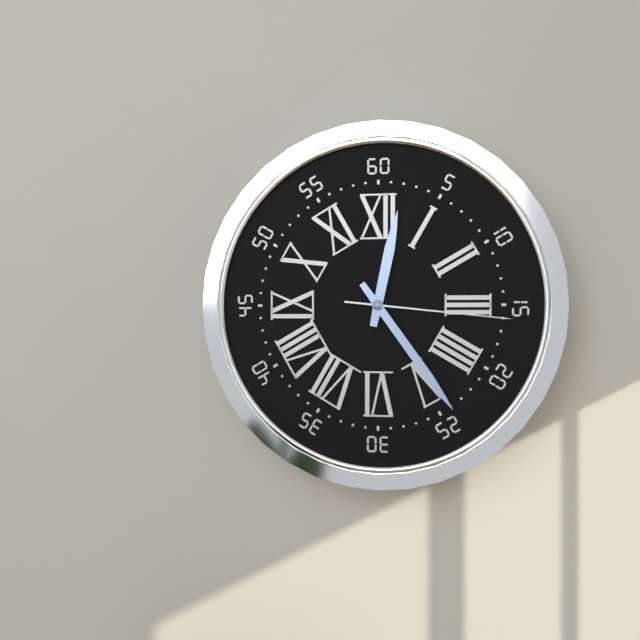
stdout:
**12:24:16**
